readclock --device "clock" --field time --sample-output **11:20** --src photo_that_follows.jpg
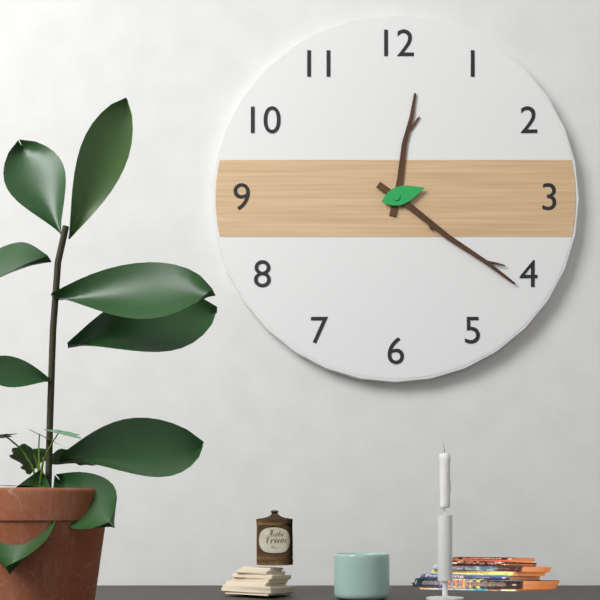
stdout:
**12:21**
